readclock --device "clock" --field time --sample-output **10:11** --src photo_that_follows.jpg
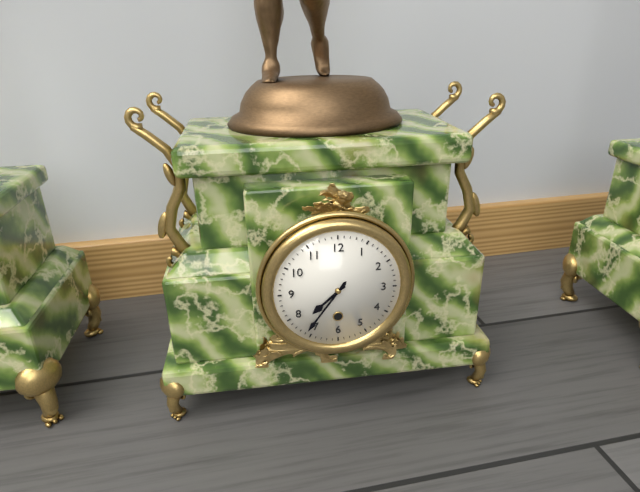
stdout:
**7:36**
